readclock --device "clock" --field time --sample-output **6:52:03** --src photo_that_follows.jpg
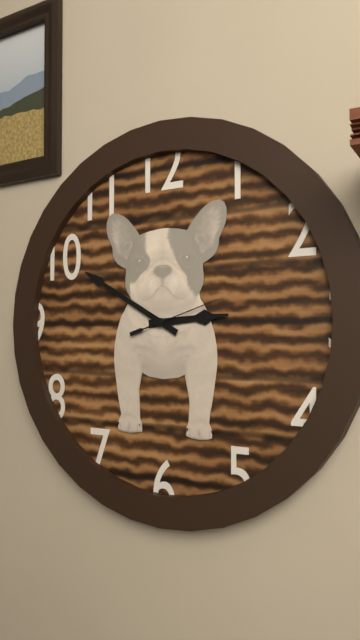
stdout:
**2:50:12**
